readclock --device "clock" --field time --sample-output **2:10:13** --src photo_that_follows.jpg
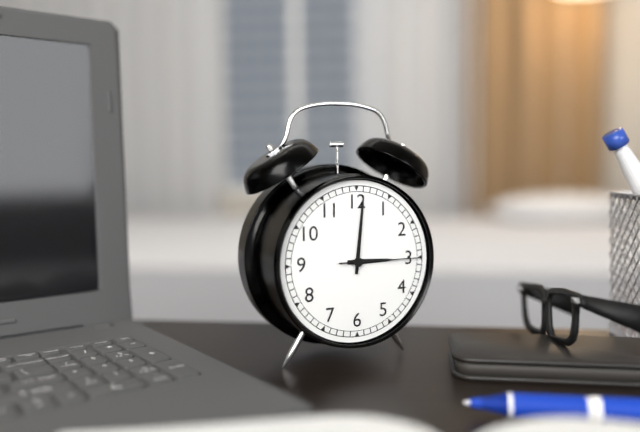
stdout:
**3:01:15**
